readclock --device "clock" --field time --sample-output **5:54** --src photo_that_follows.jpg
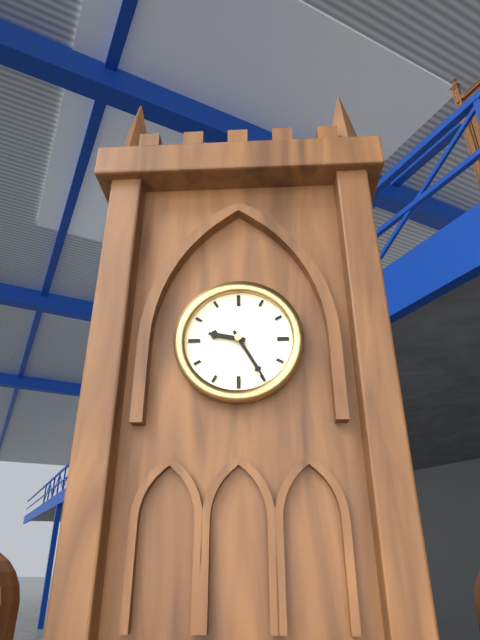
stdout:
**9:25**
